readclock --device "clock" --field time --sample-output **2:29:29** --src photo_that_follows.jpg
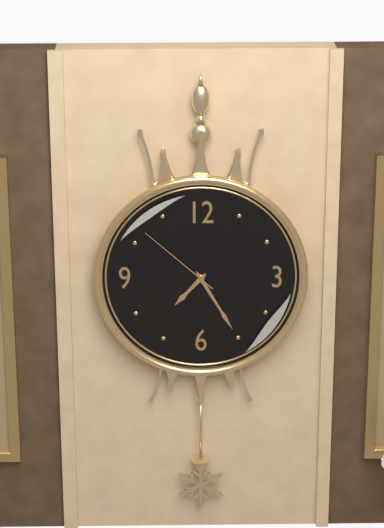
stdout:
**7:25:52**
